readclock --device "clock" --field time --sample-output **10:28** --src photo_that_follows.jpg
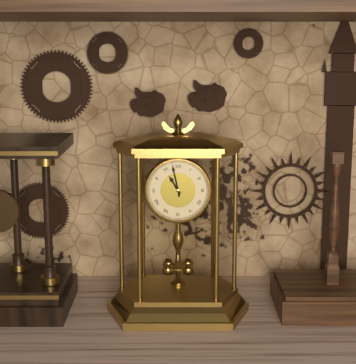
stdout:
**10:58**
